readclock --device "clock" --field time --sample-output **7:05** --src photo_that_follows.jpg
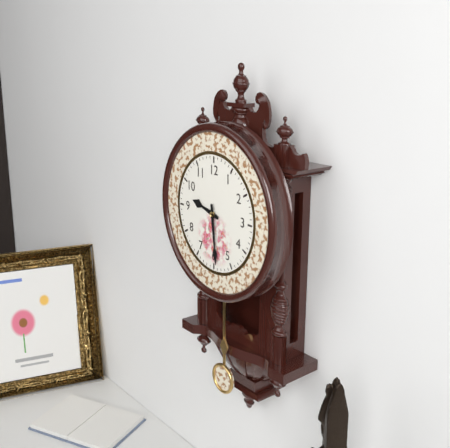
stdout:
**9:29**
